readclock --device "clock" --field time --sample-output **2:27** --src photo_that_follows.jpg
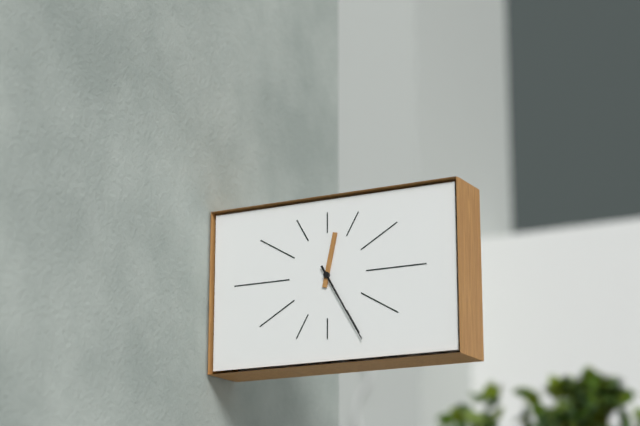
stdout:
**12:25**
